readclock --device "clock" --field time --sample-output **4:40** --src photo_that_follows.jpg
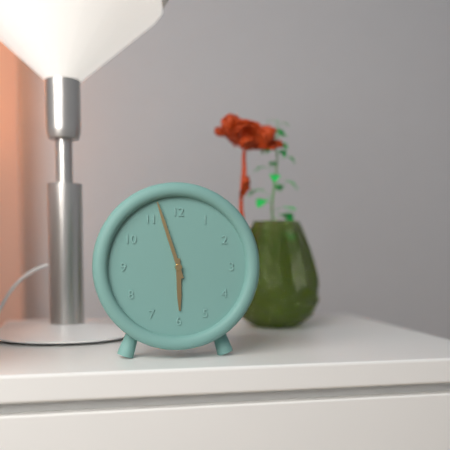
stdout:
**5:57**
